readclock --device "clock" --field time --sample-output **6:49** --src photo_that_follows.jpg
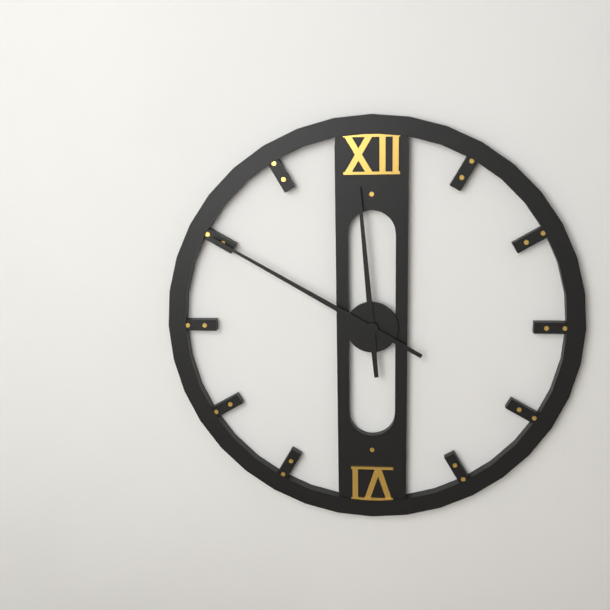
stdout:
**11:50**
